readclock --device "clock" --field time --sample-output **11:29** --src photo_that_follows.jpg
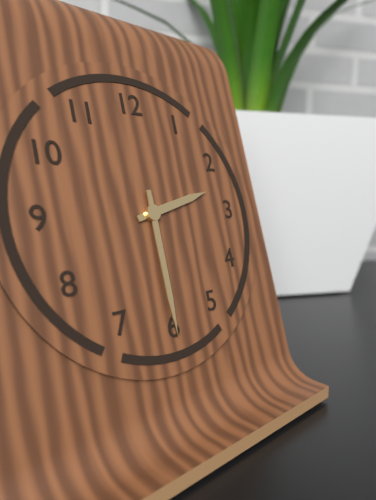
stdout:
**2:30**
